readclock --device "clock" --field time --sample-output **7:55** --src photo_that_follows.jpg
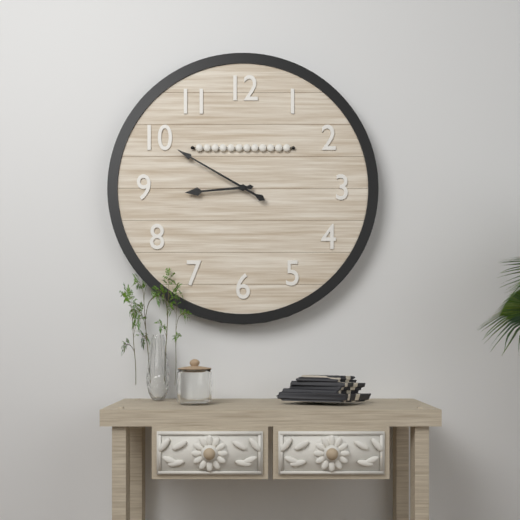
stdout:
**8:50**
